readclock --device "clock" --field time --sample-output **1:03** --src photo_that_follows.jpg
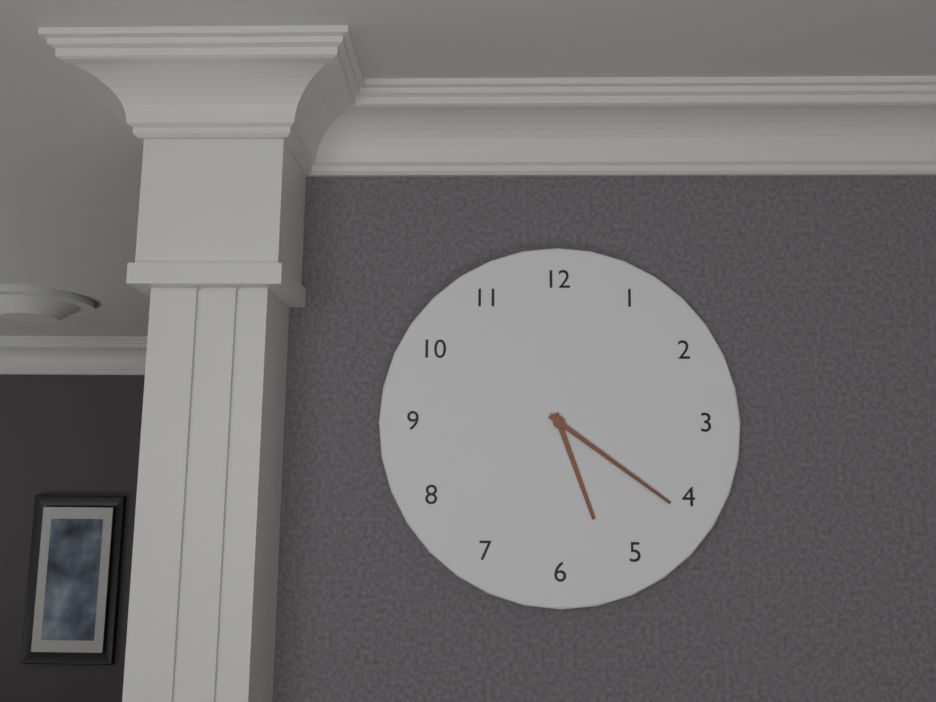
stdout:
**5:21**
